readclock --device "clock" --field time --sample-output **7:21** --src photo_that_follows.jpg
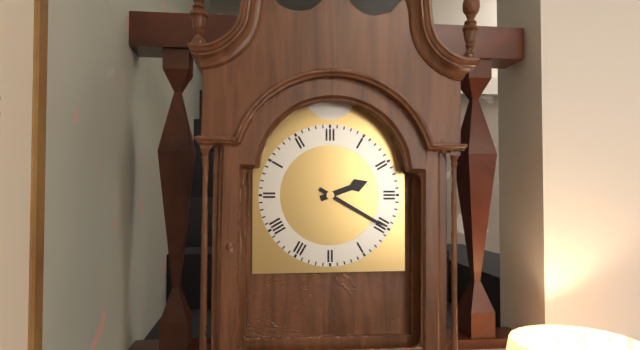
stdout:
**2:20**
